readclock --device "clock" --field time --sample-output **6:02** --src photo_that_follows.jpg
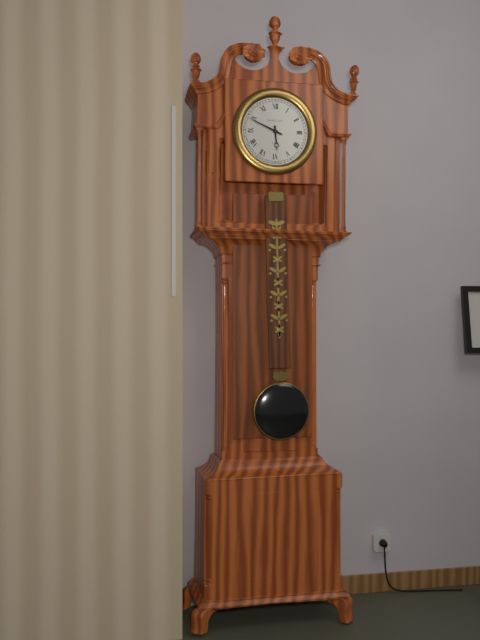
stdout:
**5:49**
